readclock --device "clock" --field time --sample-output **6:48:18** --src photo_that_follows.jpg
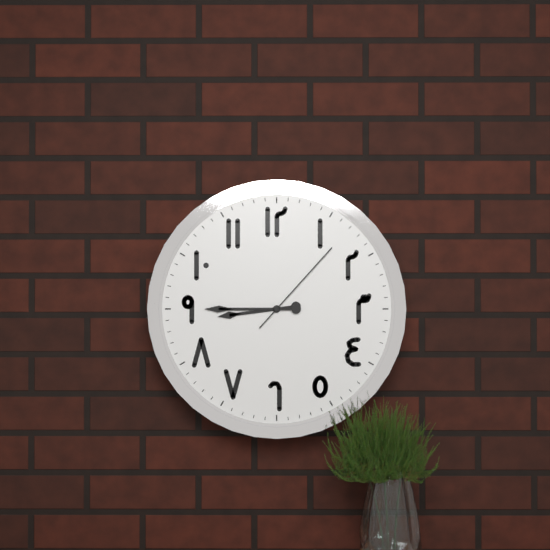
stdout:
**8:45:07**
